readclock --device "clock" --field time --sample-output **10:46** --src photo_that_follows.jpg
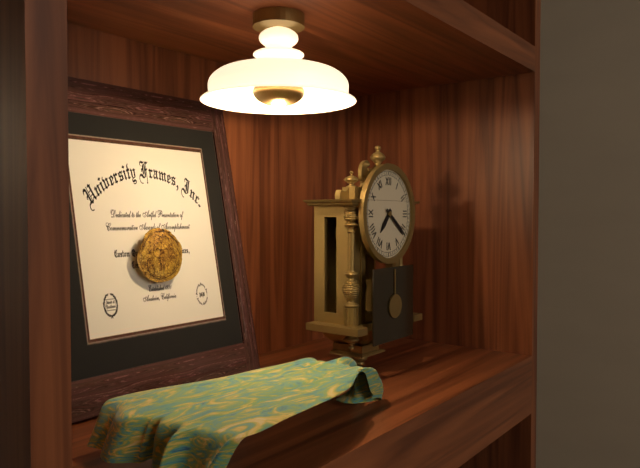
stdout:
**7:21**
